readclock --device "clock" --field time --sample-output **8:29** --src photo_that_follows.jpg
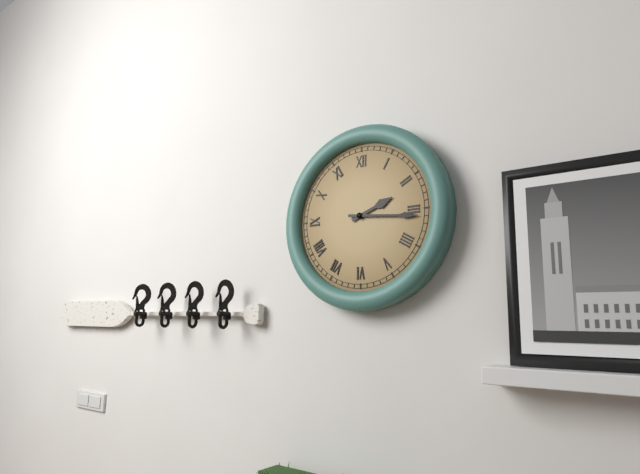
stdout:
**2:16**
